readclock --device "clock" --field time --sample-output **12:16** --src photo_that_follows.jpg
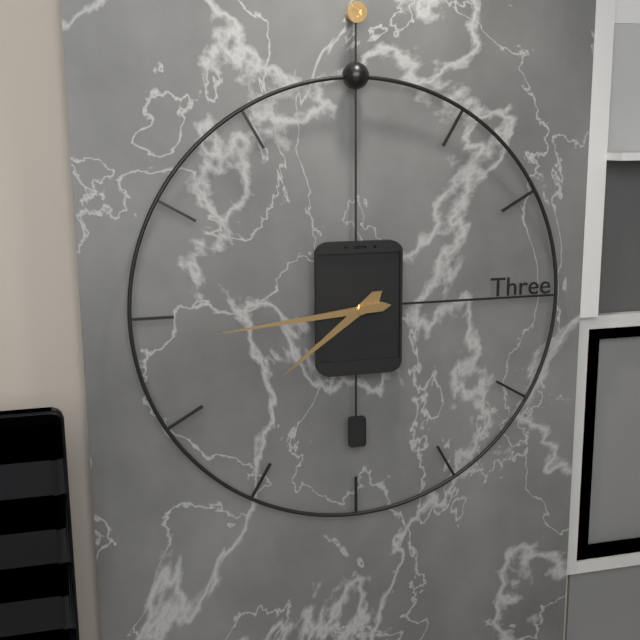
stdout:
**7:44**
